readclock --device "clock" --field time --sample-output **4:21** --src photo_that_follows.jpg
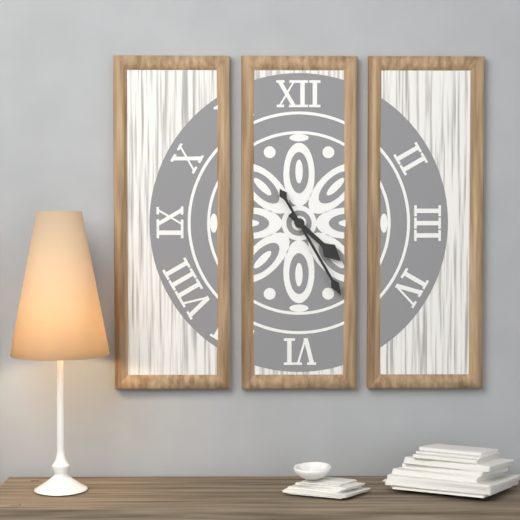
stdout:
**4:25**
